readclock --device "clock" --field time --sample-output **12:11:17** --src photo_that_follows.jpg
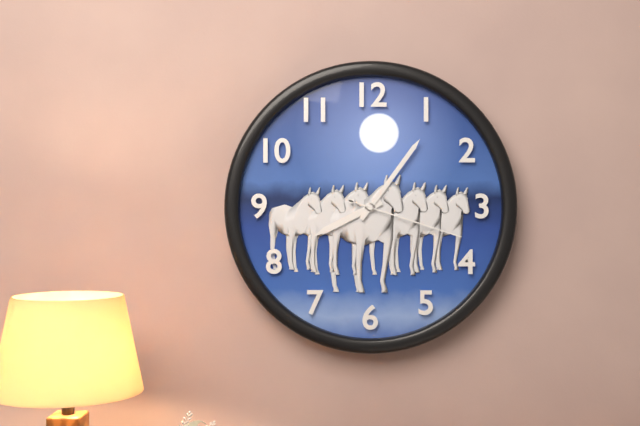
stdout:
**8:06:18**
